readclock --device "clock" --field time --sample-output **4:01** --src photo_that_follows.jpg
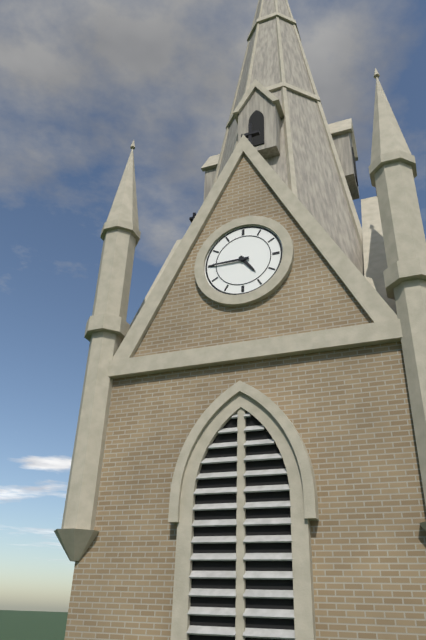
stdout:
**4:45**
